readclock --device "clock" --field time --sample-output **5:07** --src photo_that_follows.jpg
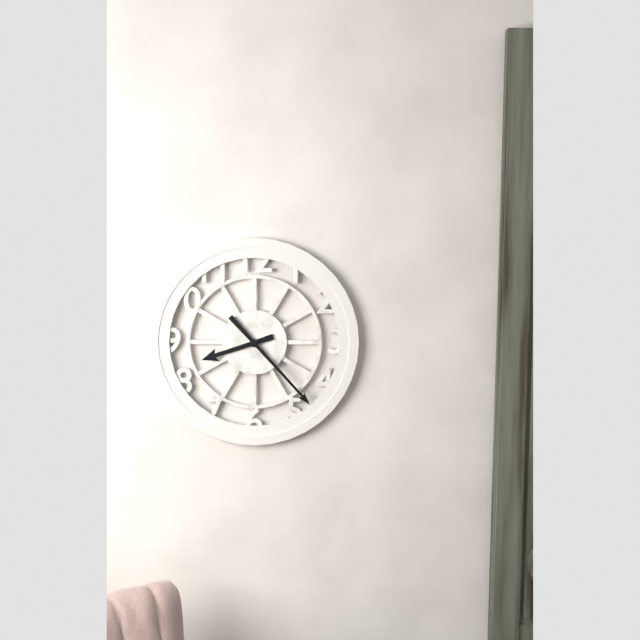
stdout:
**8:23**
